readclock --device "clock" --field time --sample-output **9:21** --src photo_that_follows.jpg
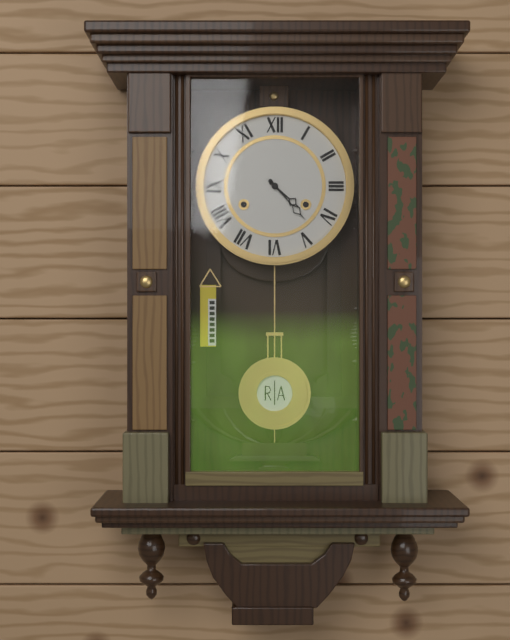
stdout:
**4:23**
